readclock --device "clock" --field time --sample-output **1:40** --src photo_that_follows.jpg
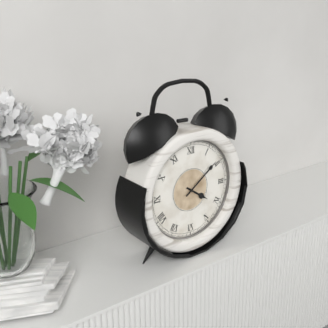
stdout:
**4:09**
